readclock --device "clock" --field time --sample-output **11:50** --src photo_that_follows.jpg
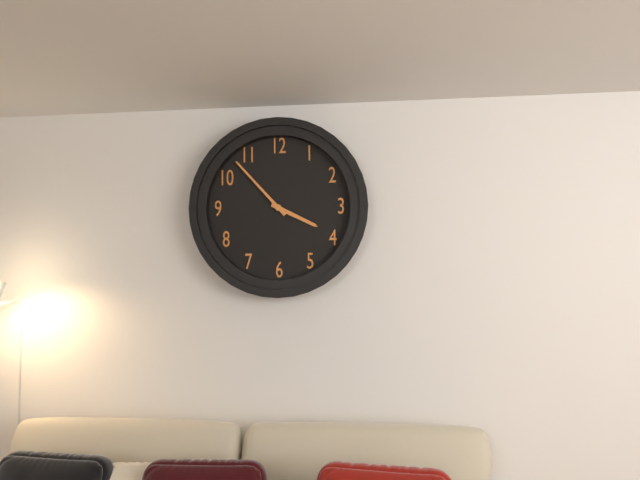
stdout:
**3:53**
